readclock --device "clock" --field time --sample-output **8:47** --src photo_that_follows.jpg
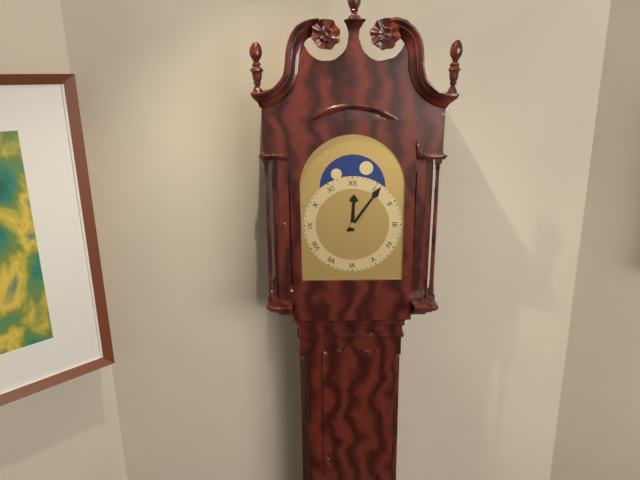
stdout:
**12:06**
